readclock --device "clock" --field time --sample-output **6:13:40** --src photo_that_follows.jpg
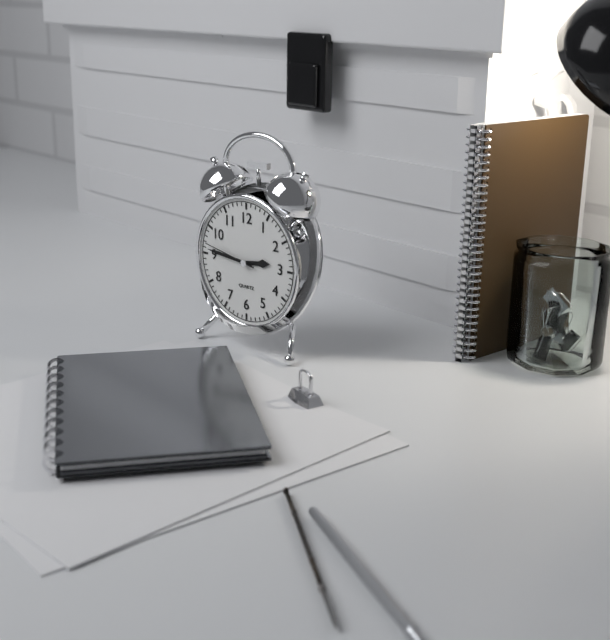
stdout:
**2:46:47**
